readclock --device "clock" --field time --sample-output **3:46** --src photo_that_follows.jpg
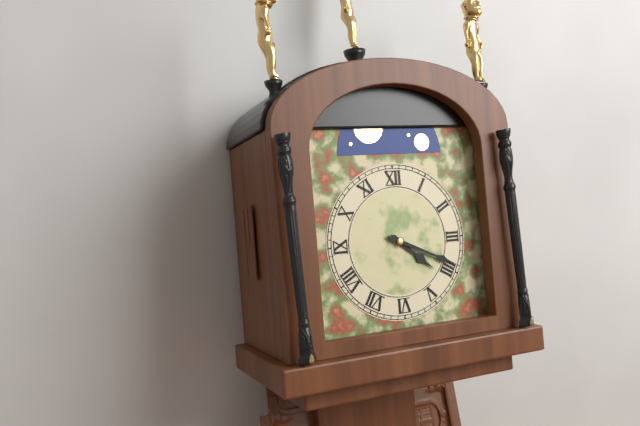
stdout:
**4:19**
